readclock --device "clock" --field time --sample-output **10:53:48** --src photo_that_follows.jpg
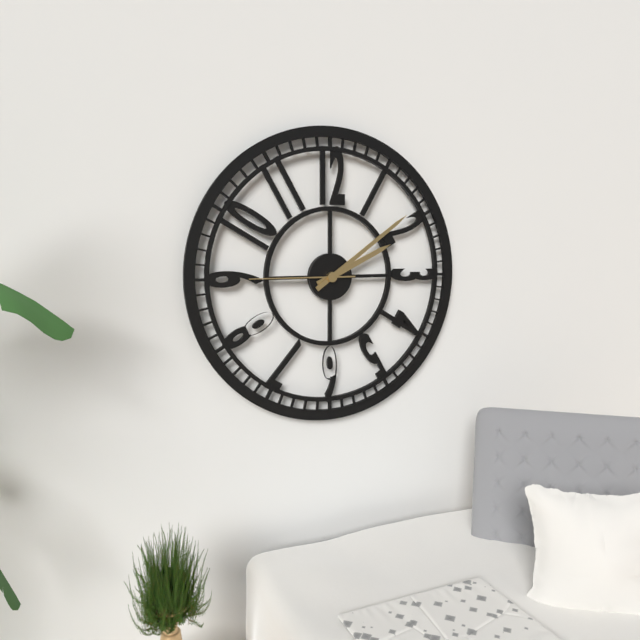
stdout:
**2:09:45**
